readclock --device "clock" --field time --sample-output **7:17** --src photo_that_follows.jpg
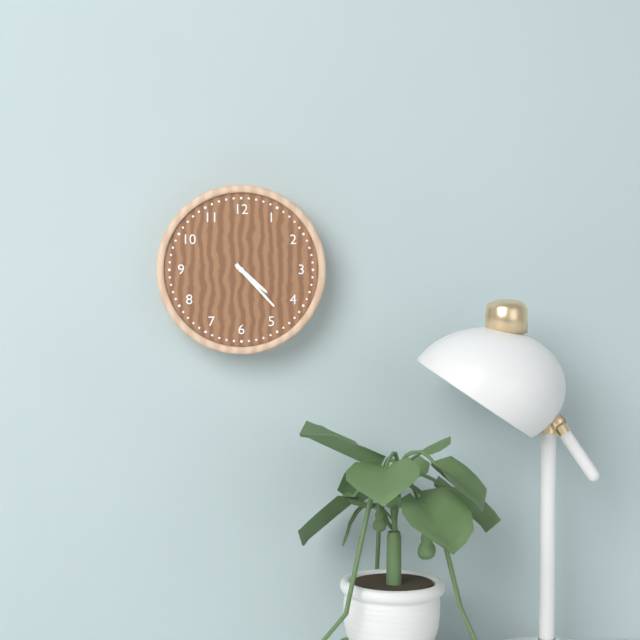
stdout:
**4:23**
